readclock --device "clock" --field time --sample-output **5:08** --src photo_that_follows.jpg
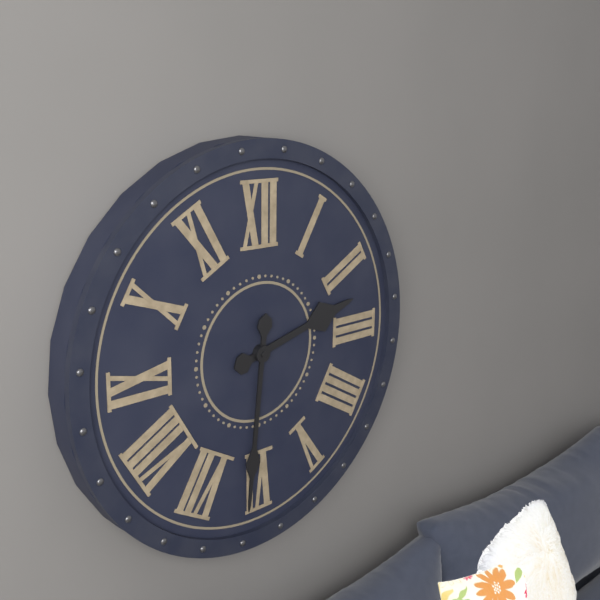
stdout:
**2:31**
